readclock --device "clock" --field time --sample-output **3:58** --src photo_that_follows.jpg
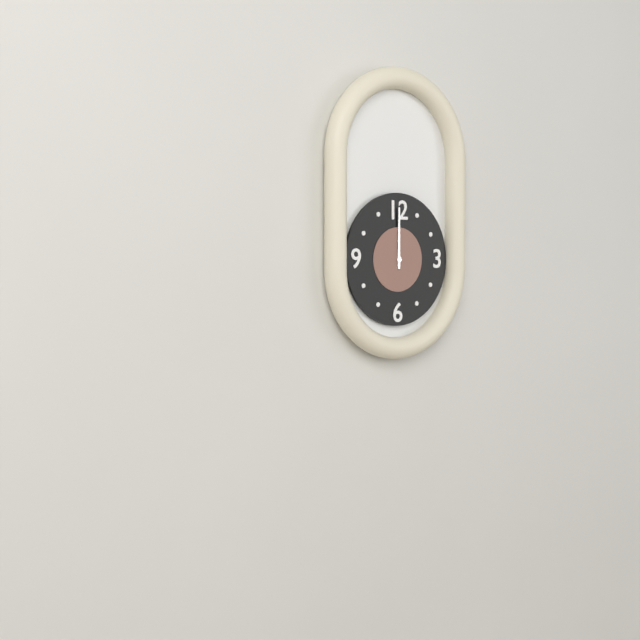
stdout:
**12:00**
